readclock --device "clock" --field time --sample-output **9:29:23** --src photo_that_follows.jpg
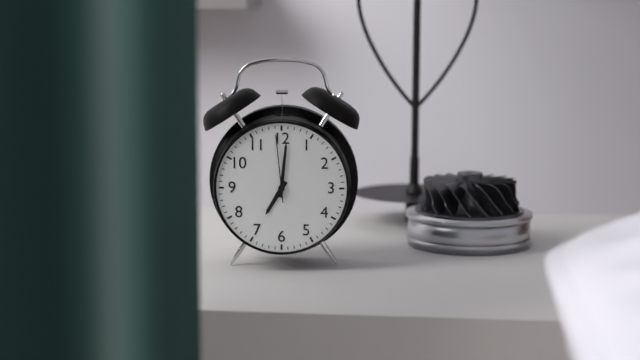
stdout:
**7:01:59**
